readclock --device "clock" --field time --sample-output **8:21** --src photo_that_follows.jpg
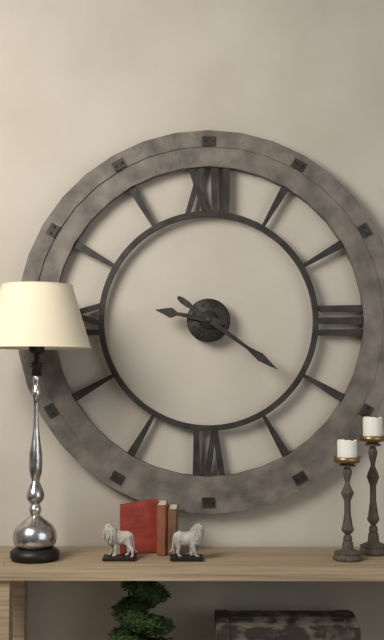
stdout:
**9:21**
